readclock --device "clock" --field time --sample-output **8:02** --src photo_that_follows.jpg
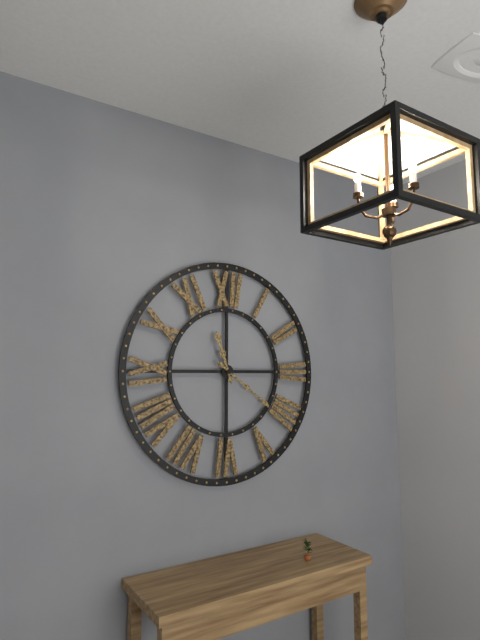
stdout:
**11:21**
